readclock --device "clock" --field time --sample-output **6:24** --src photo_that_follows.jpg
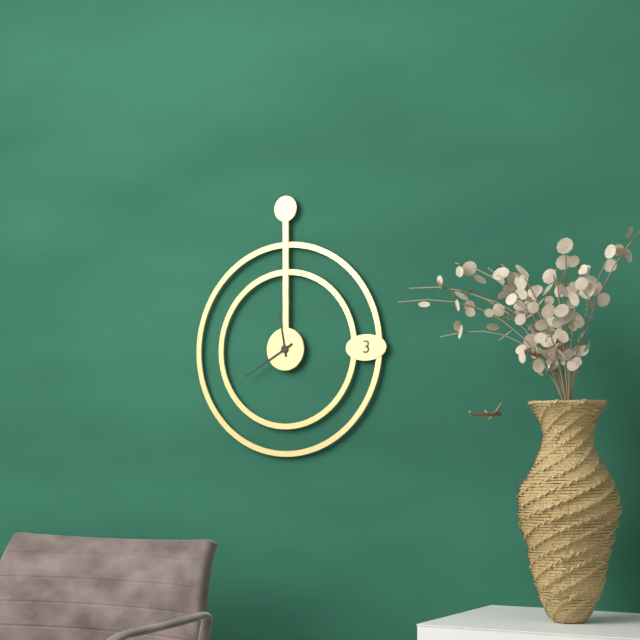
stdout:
**11:40**
